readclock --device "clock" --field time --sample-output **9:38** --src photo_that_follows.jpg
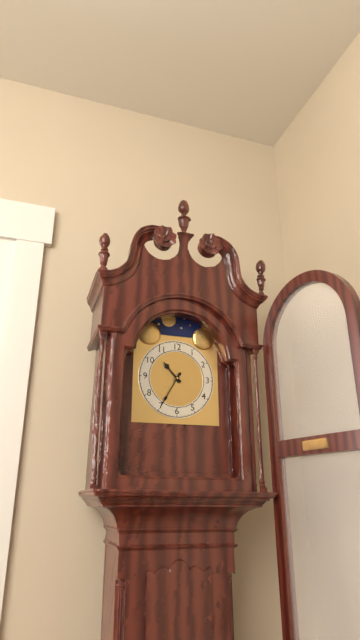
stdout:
**10:35**
